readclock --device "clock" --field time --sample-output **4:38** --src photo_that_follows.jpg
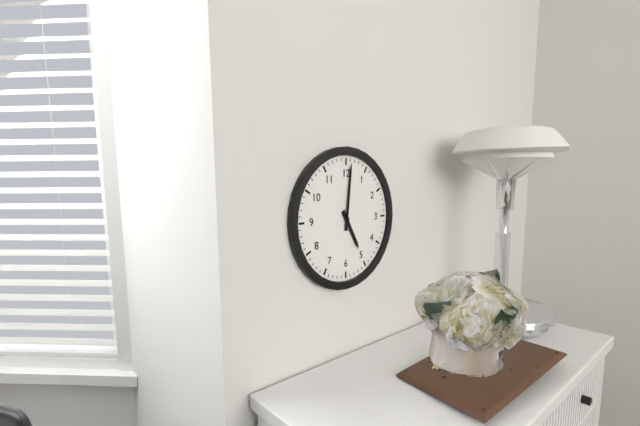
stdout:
**5:01**
